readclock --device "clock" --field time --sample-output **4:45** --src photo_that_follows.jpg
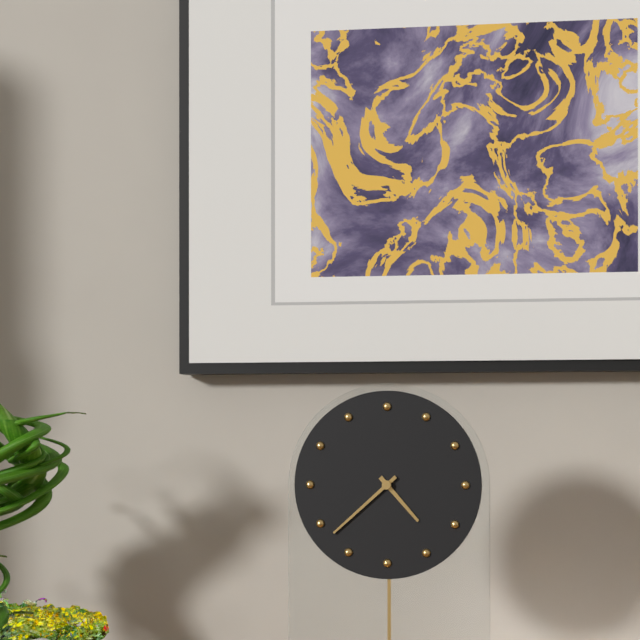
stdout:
**4:38**
